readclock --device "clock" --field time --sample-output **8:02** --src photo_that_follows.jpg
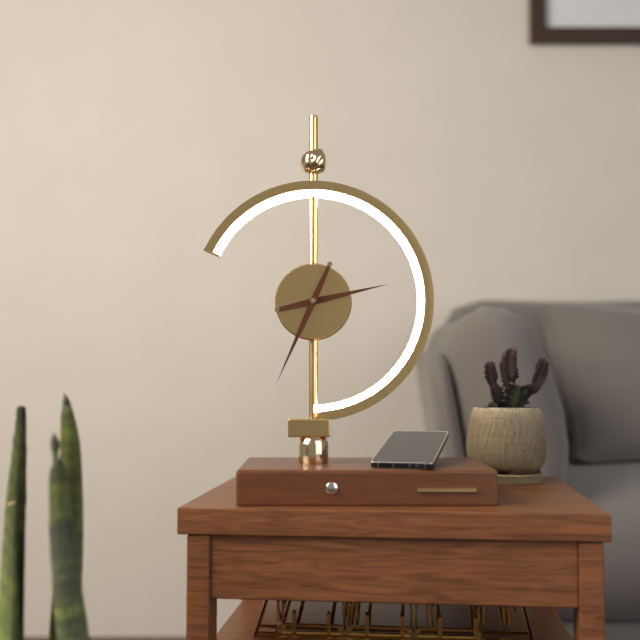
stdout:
**2:34**
